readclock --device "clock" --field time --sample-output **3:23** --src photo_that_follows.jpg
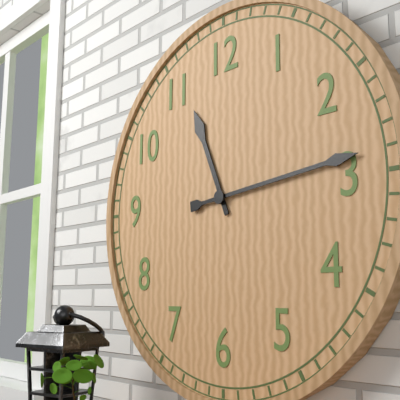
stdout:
**11:14**
